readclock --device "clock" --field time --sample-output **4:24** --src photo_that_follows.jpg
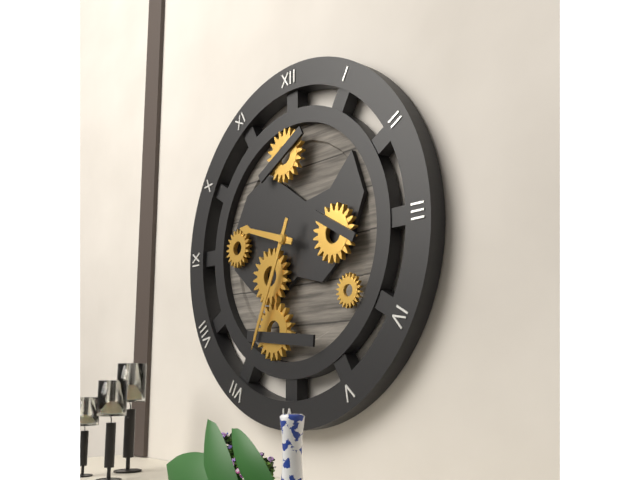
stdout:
**9:34**
